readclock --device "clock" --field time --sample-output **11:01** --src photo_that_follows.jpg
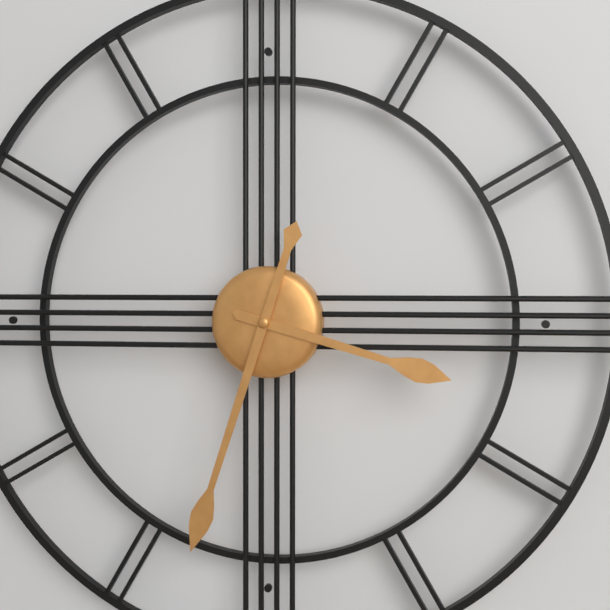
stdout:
**3:33**
